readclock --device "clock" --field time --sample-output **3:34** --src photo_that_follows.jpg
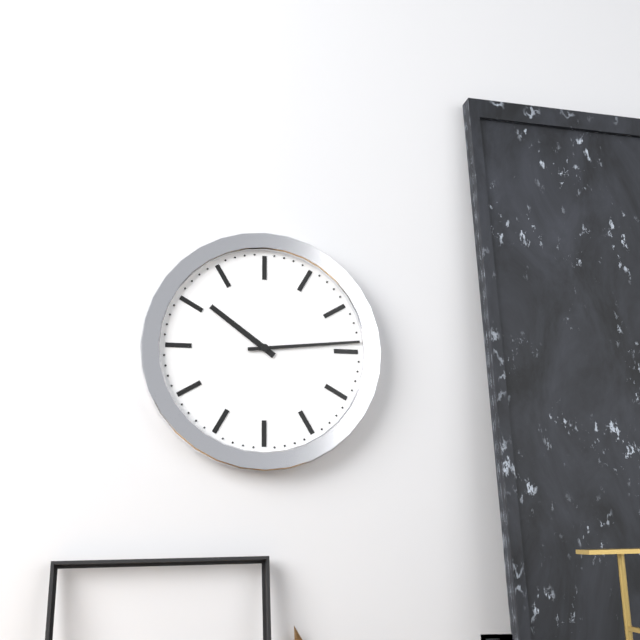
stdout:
**10:14**
